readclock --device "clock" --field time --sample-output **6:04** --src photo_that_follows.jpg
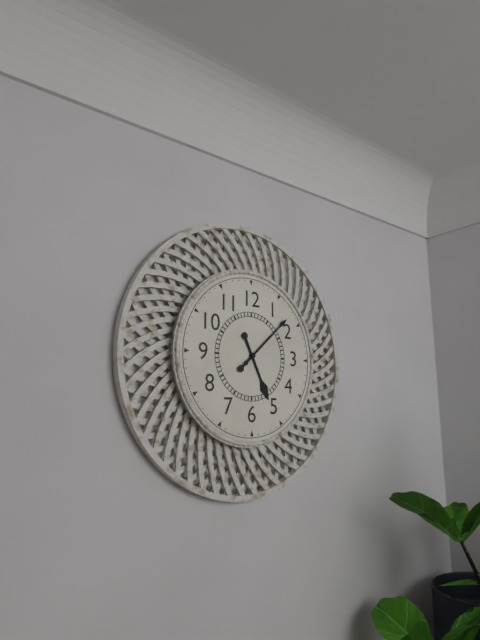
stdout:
**5:08**
